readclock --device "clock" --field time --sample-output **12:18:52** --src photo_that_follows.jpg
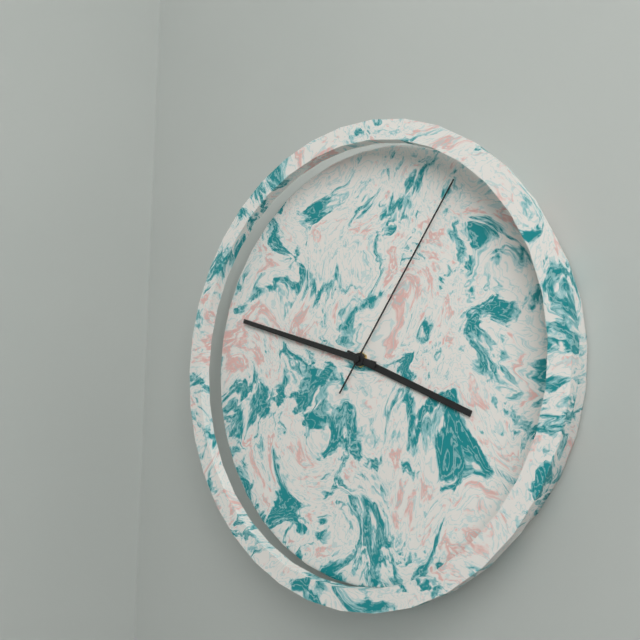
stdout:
**3:48:06**
